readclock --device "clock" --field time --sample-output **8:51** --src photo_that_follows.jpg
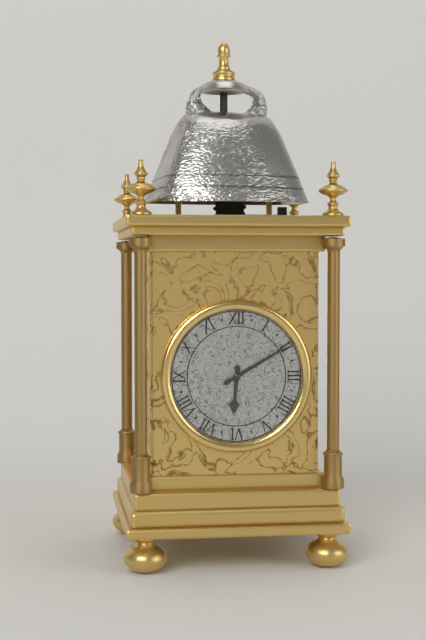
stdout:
**6:10**
